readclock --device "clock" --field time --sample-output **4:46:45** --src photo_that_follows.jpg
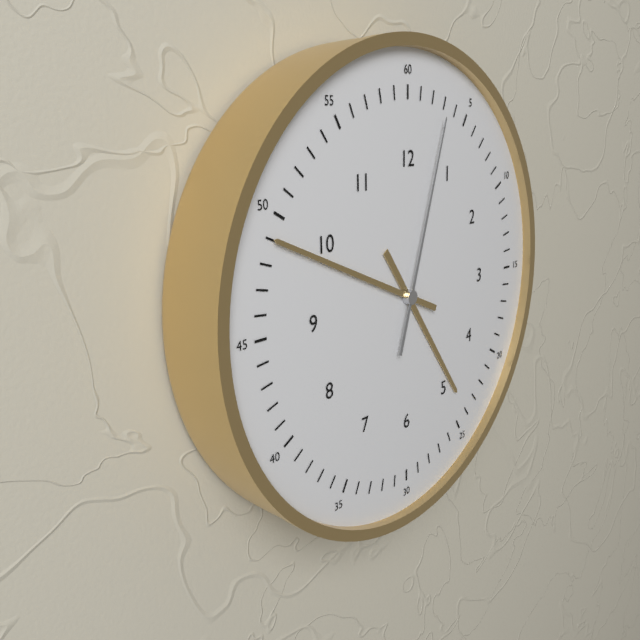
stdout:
**4:49:03**
